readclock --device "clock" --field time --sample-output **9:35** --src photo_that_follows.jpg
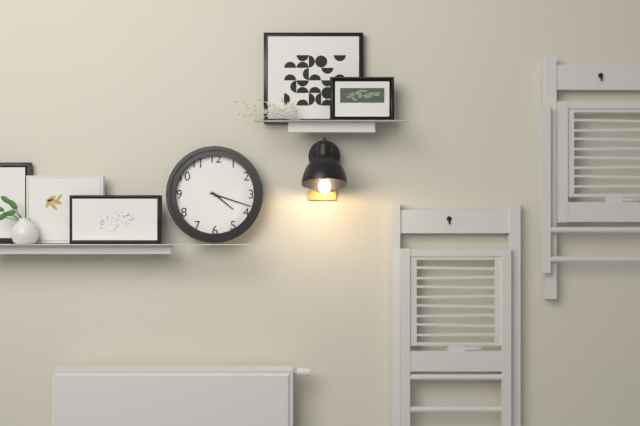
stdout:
**4:18**
